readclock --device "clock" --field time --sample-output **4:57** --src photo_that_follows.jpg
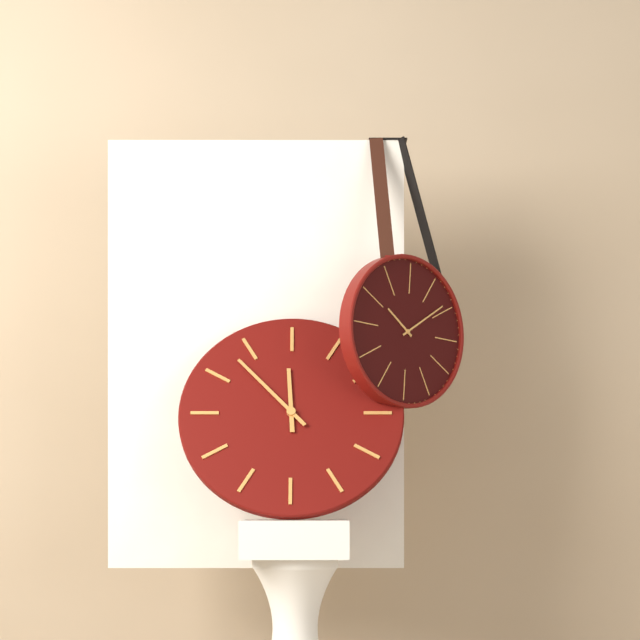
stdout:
**11:53**
